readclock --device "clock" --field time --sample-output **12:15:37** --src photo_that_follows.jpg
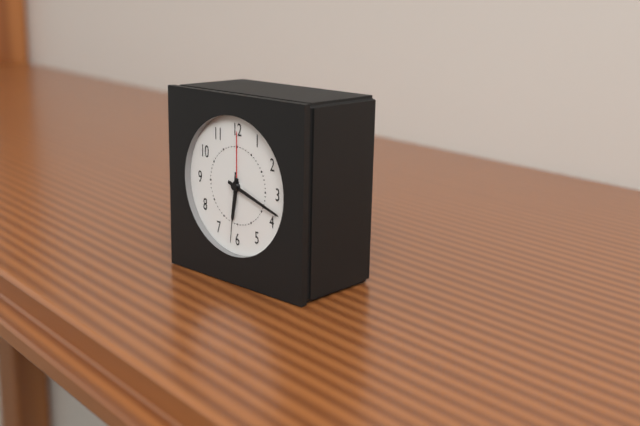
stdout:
**6:18:31**
